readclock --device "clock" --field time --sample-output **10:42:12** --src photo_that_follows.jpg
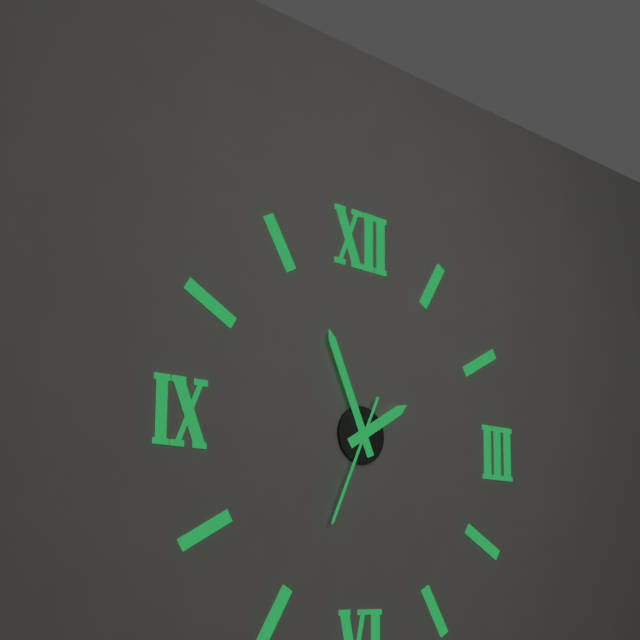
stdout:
**1:56:34**
